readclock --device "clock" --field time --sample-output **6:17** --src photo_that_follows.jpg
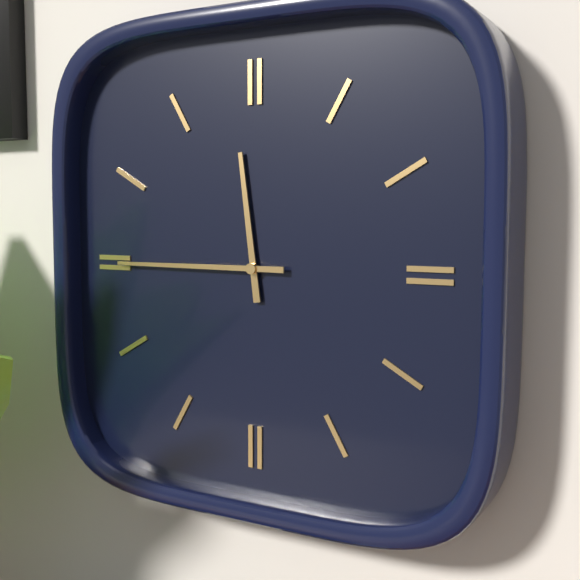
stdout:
**11:45**
